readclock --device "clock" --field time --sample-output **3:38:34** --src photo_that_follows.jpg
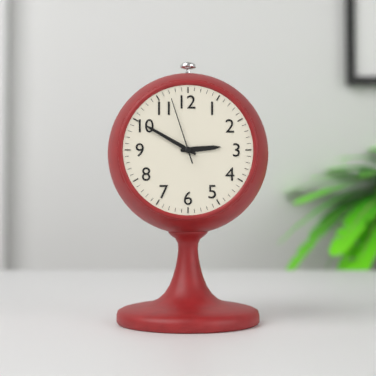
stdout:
**2:50:57**
